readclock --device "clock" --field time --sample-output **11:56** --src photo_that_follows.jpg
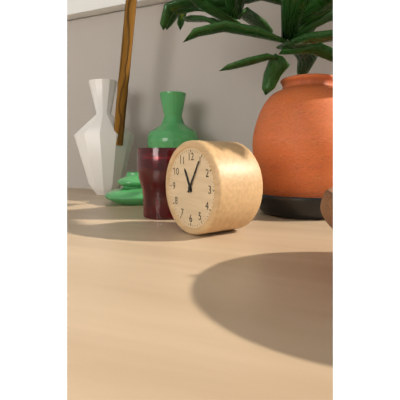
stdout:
**11:05**
